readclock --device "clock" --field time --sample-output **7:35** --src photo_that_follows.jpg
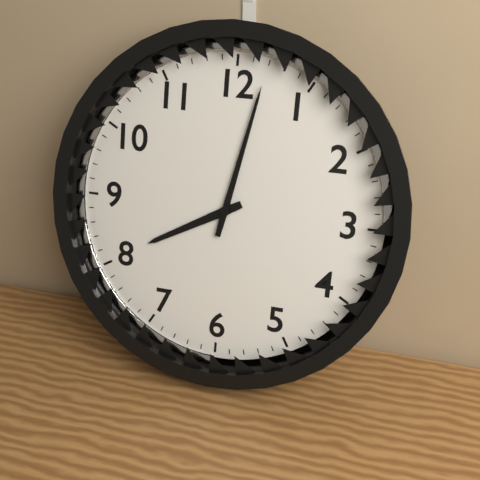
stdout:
**8:02**
